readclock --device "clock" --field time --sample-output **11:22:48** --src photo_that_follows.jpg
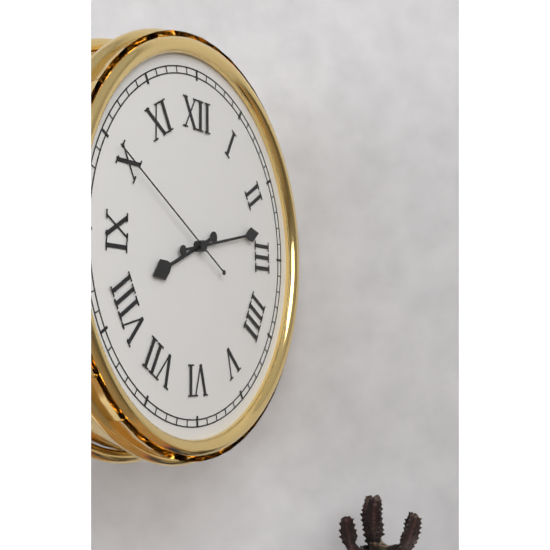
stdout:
**8:13:50**
